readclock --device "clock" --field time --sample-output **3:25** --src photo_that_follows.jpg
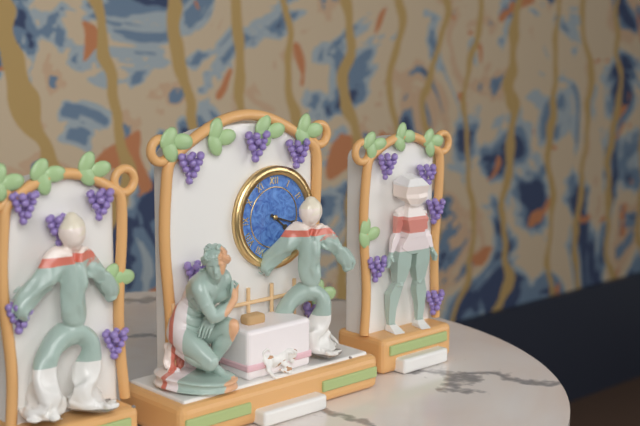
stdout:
**4:18**
